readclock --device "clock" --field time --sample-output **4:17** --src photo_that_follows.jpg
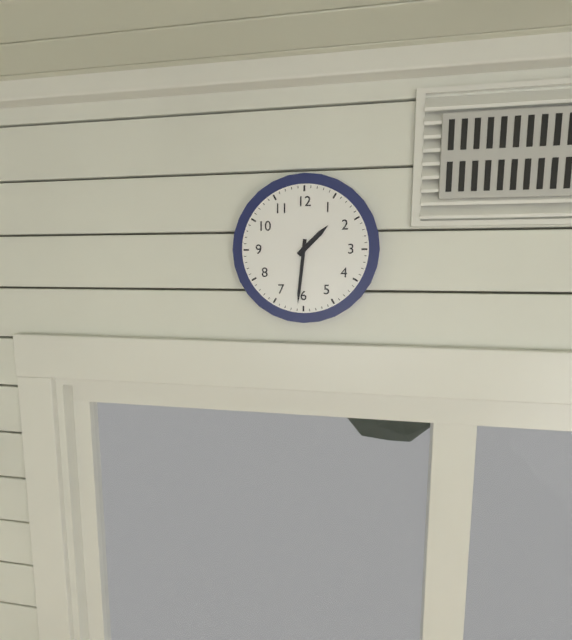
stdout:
**1:31**
